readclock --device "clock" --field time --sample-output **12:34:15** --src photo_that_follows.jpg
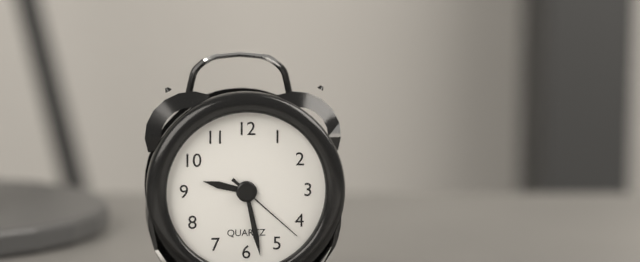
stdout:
**9:28:22**
